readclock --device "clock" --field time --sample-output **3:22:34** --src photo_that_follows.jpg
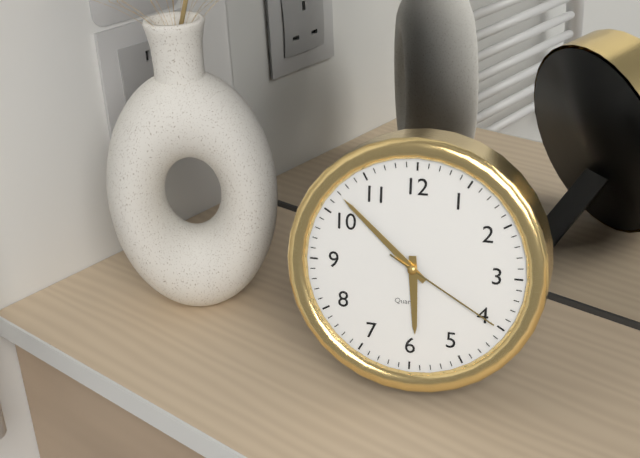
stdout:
**5:52:20**
